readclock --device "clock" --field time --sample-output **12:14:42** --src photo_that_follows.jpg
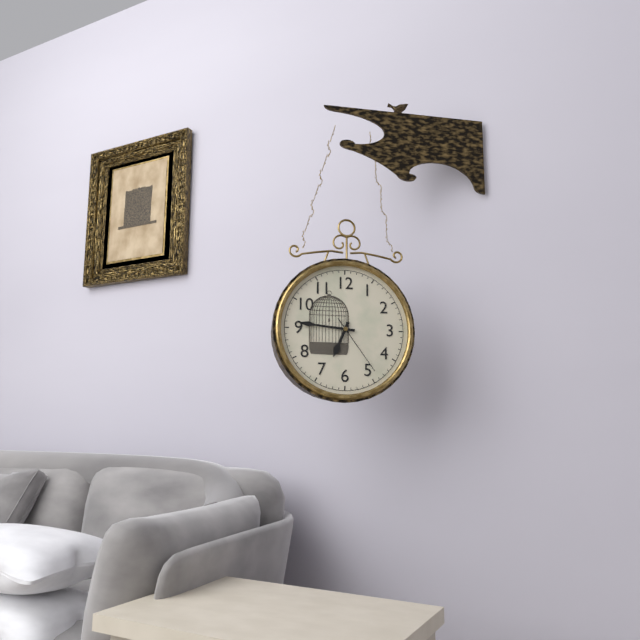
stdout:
**6:46:24**
